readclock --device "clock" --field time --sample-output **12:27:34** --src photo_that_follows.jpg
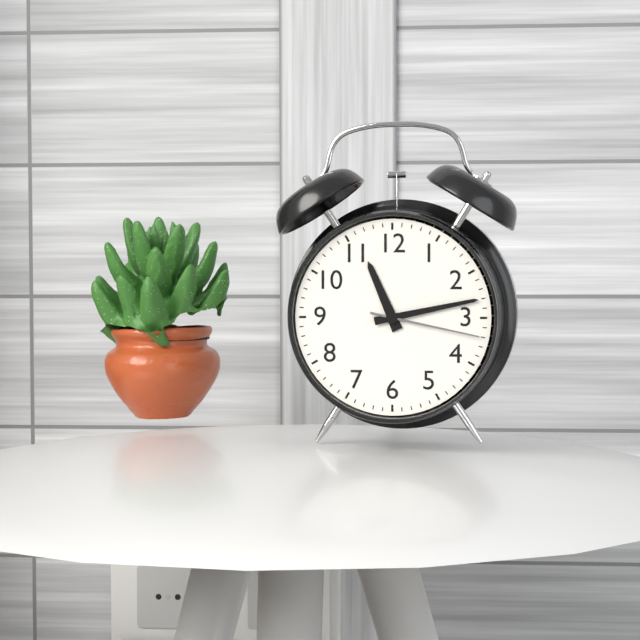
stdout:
**11:13:17**
